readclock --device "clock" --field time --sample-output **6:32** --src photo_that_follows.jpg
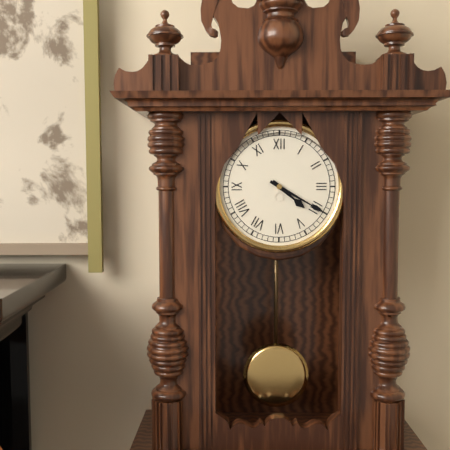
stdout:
**4:20**
